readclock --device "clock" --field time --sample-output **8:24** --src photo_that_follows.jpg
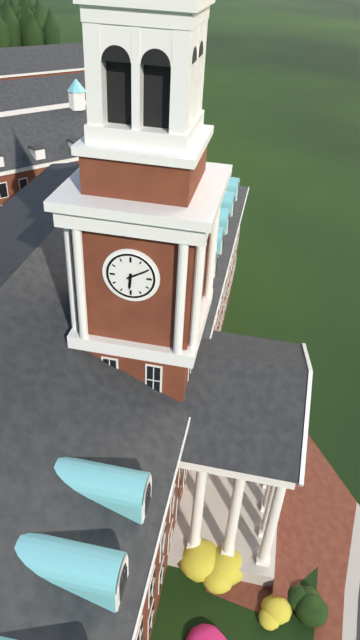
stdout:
**6:10**
